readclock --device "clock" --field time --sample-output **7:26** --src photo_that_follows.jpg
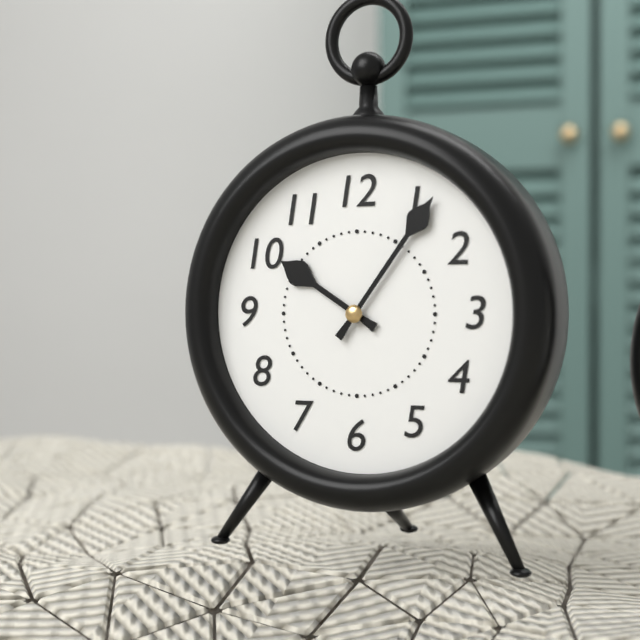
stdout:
**10:06**
